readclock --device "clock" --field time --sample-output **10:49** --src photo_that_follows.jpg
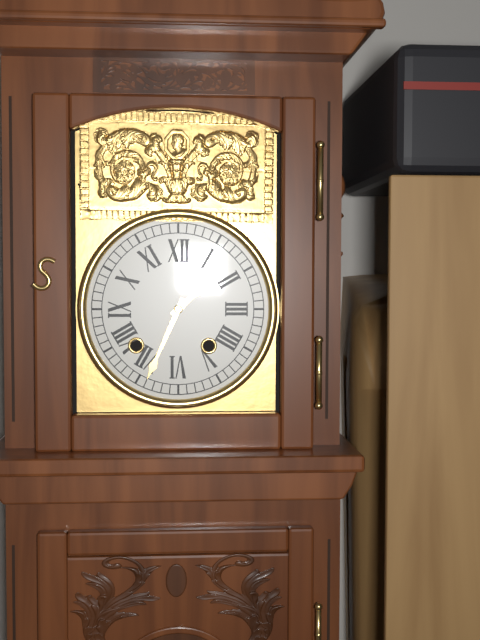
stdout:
**1:34**
